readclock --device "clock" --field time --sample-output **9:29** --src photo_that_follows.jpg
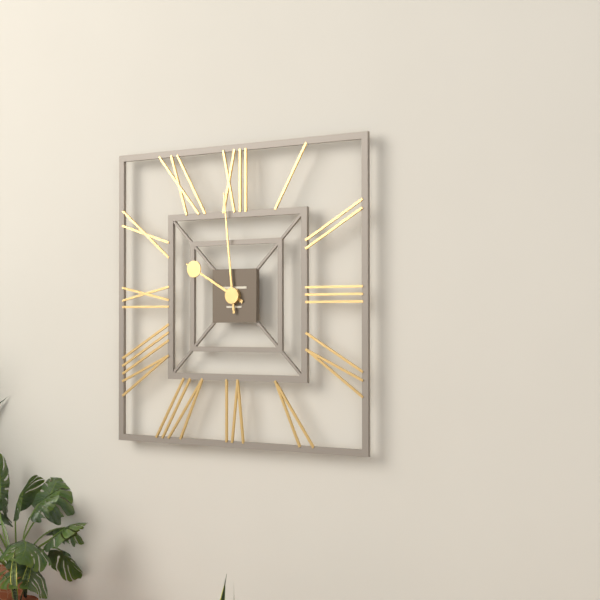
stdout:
**9:59**
